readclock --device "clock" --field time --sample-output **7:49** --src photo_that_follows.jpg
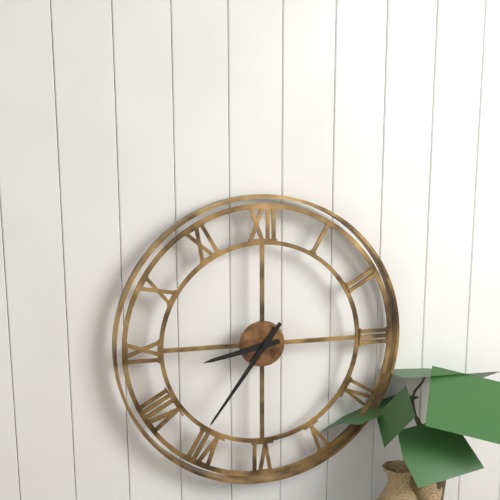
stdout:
**8:36**
